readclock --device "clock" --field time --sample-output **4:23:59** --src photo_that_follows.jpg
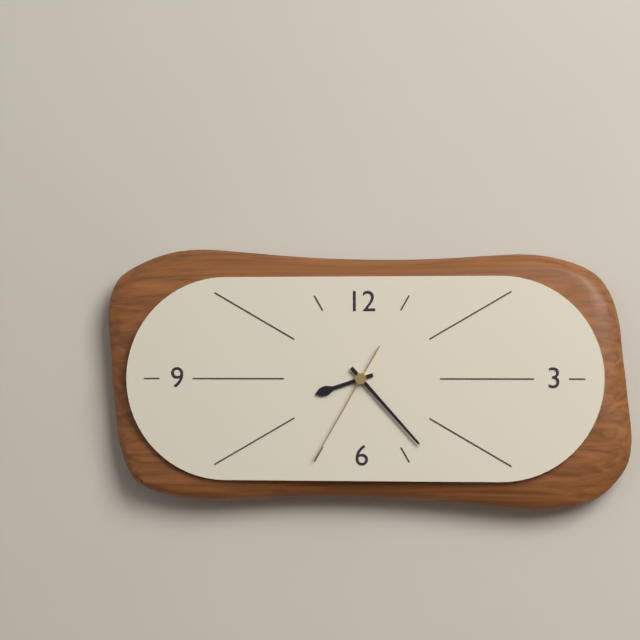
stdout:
**8:23:35**
